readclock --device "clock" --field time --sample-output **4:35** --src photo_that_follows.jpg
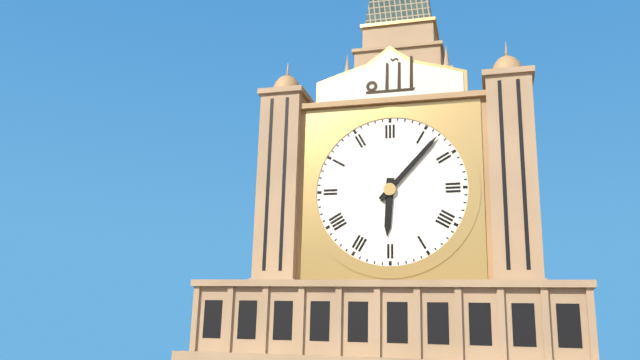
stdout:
**6:07**
